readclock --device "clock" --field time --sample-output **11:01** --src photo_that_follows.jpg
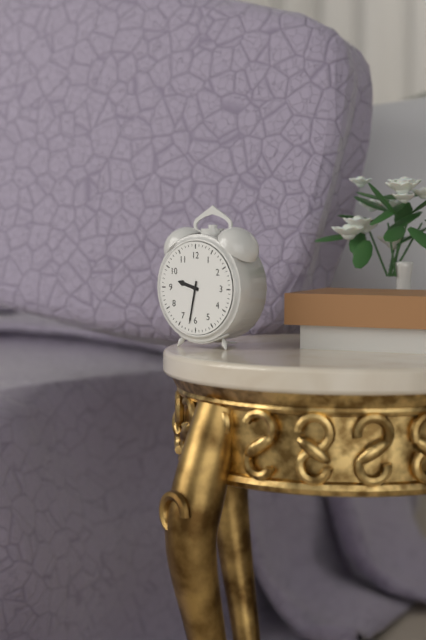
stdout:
**9:32**
